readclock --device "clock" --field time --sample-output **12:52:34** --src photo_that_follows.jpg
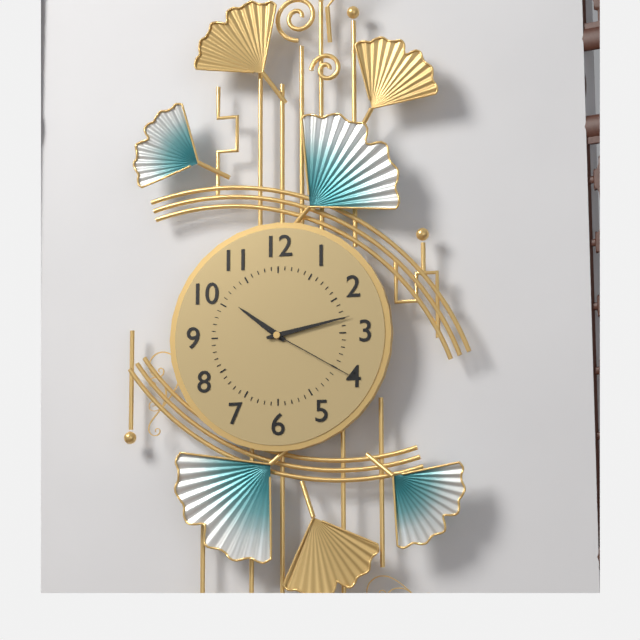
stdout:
**10:13:20**
